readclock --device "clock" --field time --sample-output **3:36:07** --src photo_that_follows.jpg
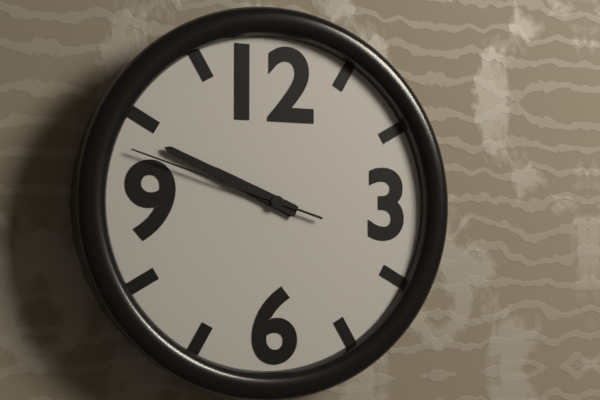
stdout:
**9:49:48**
